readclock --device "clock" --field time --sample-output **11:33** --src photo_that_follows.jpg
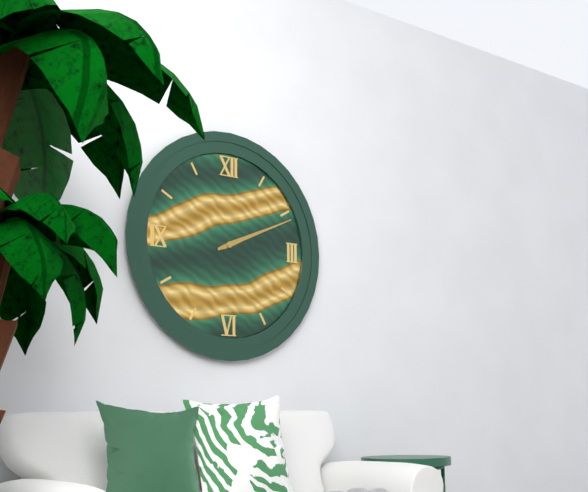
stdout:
**2:11**
